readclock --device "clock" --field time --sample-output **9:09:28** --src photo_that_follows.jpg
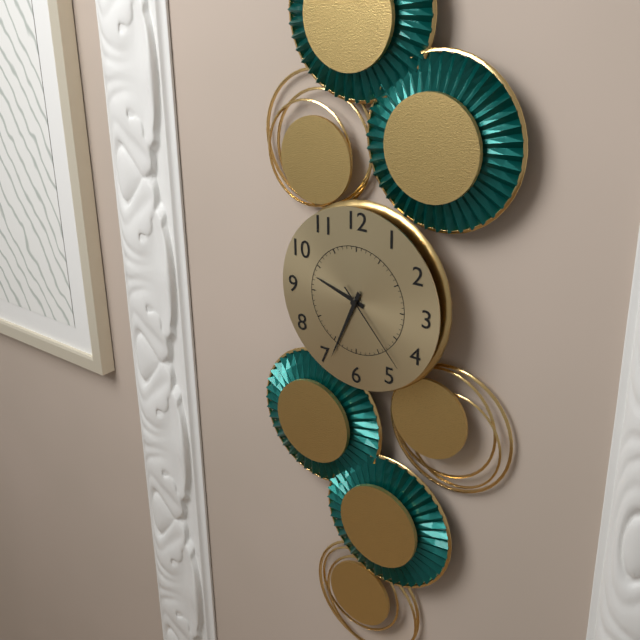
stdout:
**9:34:23**
